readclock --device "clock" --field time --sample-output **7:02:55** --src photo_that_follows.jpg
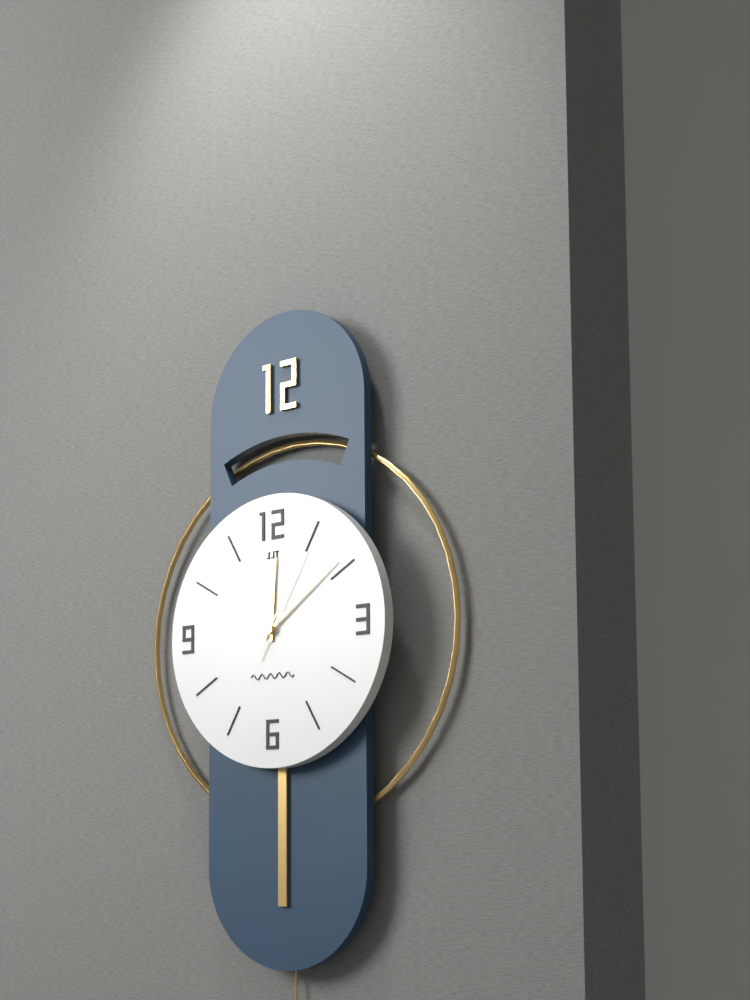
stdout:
**12:09:05**
